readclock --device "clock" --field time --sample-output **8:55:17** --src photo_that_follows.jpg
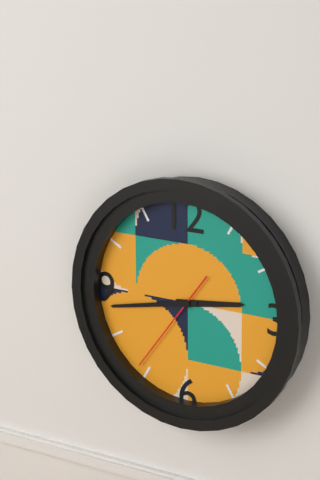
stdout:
**2:43:36**
